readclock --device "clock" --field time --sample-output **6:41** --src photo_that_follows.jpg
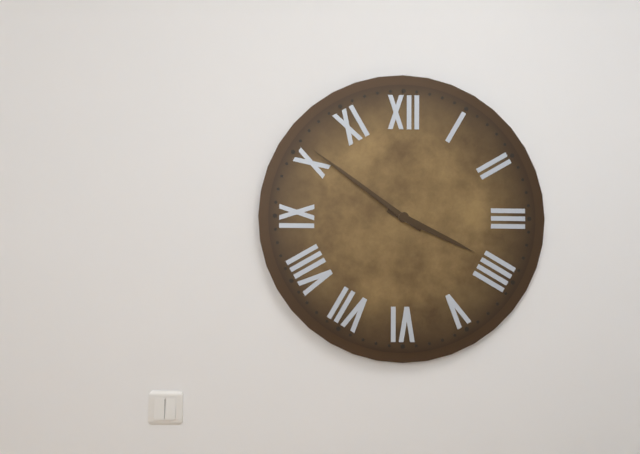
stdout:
**3:51**
